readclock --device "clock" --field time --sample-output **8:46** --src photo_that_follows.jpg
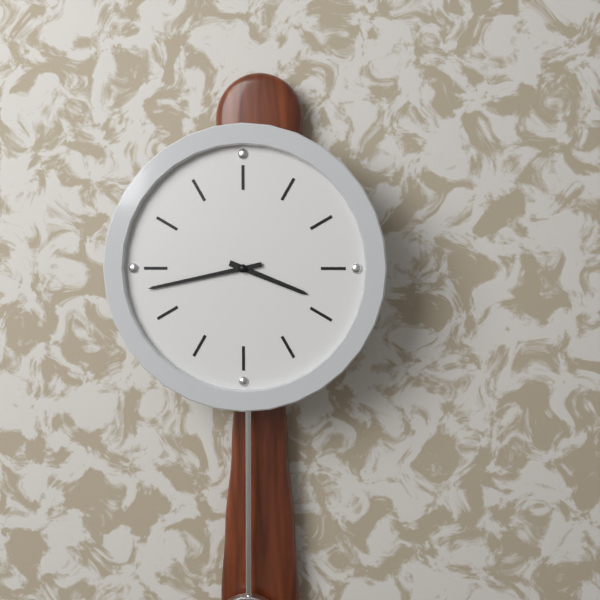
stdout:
**3:43**
